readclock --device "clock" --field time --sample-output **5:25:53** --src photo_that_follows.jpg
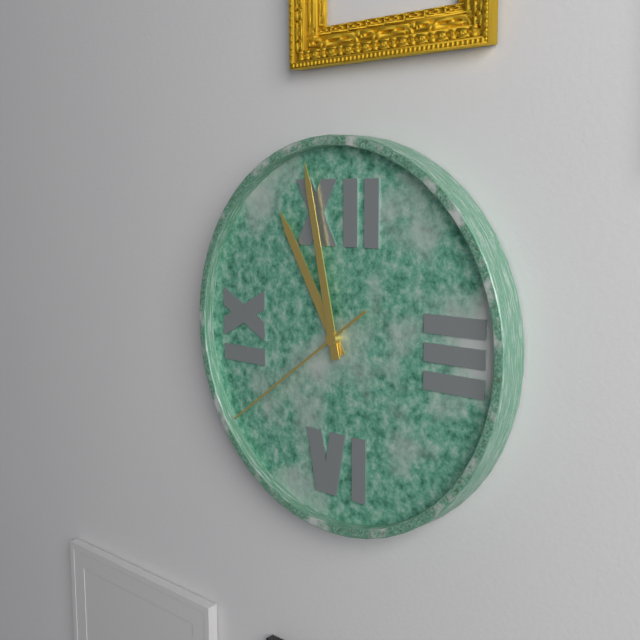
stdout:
**10:58:39**
